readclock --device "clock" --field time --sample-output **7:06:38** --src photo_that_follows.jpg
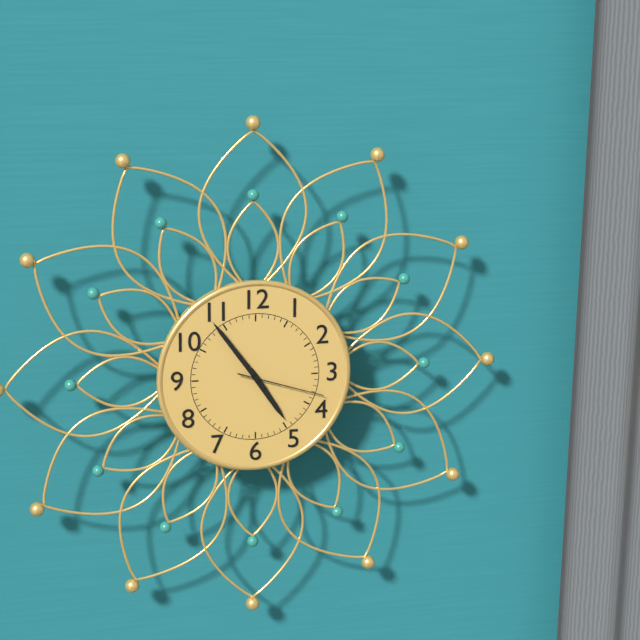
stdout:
**4:54:18**
